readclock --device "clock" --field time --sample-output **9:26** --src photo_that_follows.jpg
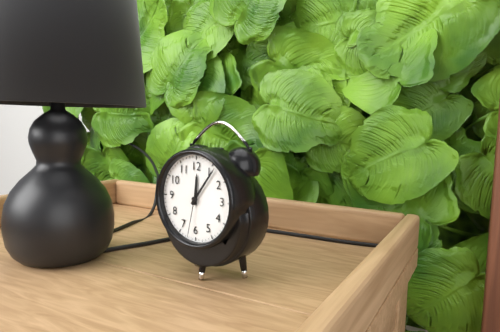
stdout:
**12:06**
